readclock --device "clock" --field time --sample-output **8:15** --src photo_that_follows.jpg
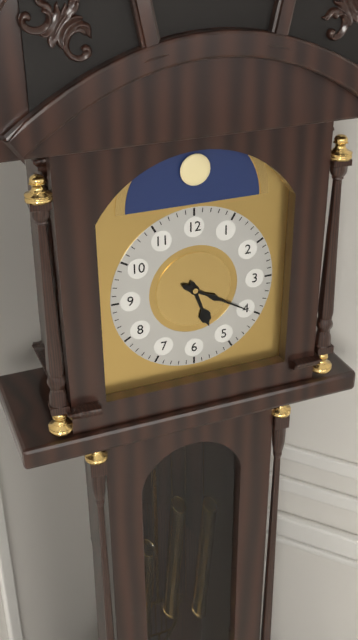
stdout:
**5:20**
